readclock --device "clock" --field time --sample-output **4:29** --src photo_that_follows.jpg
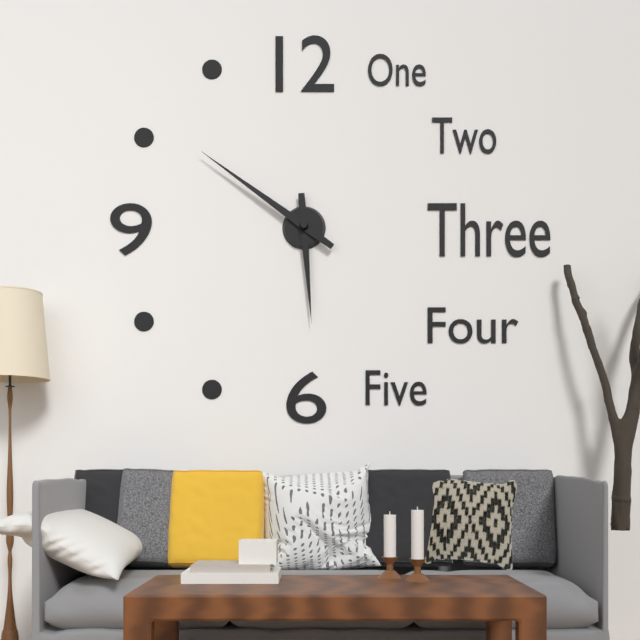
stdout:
**5:51**
